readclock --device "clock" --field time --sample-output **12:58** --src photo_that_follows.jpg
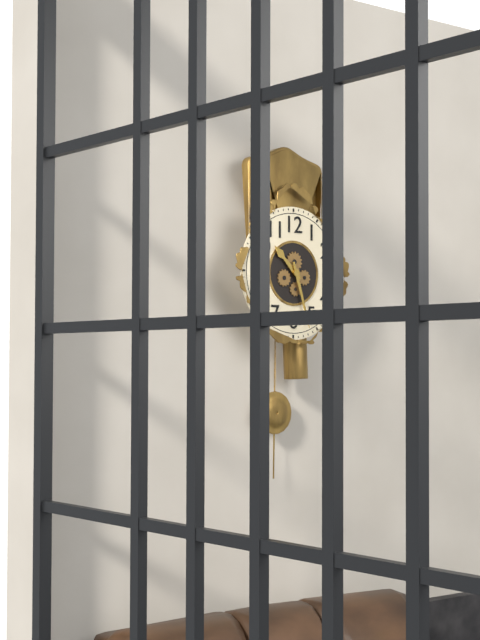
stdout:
**10:27**
